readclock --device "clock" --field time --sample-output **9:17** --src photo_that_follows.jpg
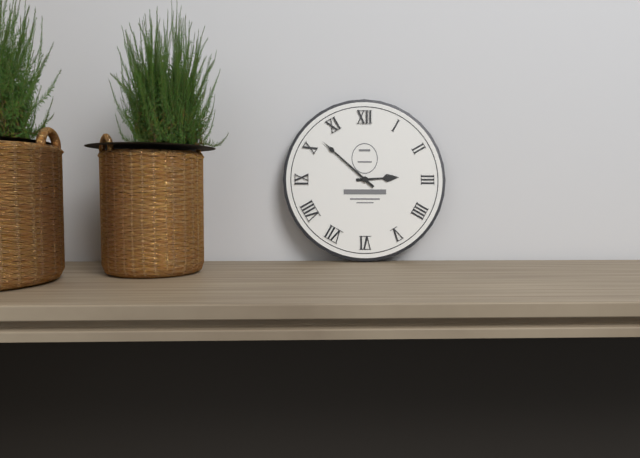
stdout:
**2:52**
